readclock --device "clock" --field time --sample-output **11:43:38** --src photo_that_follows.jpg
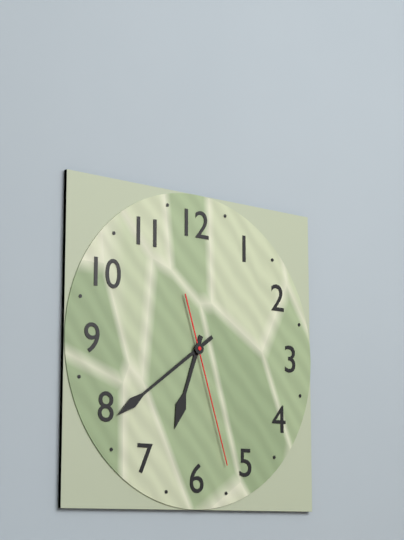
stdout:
**6:39:27**
